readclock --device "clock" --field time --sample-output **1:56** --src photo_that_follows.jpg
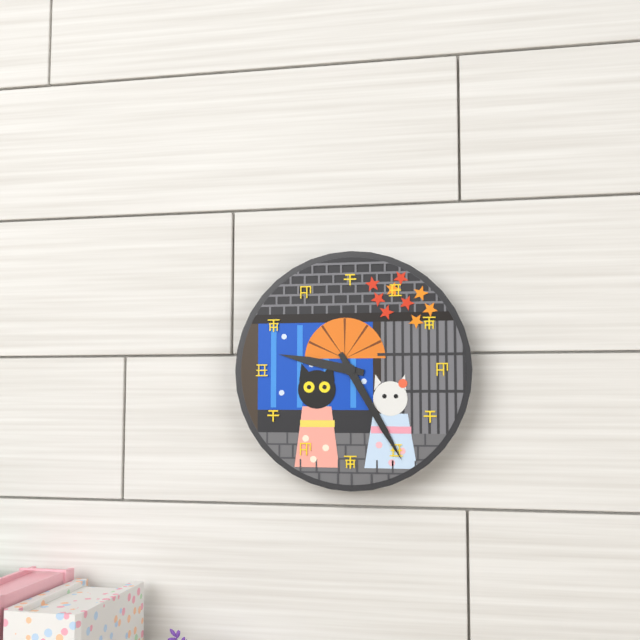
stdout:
**9:25**
